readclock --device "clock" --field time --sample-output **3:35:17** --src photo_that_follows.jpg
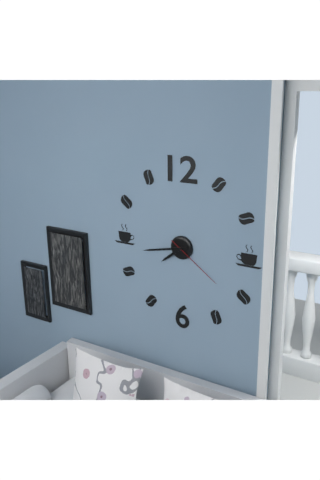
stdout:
**7:43:21**
